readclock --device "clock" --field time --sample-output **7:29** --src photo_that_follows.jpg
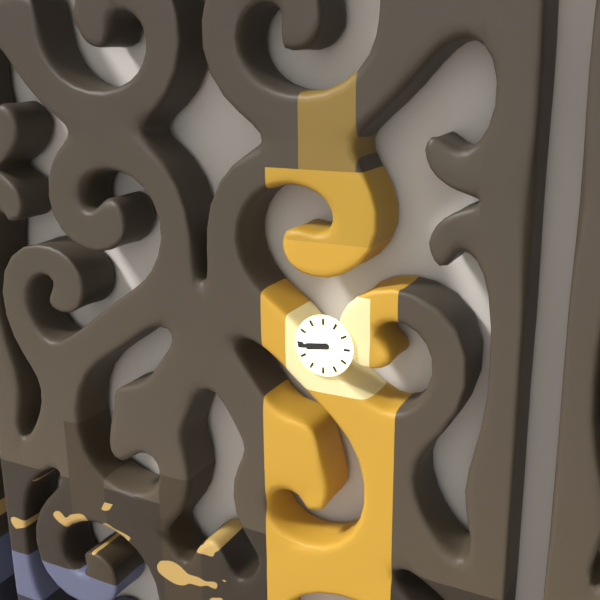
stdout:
**8:44**
